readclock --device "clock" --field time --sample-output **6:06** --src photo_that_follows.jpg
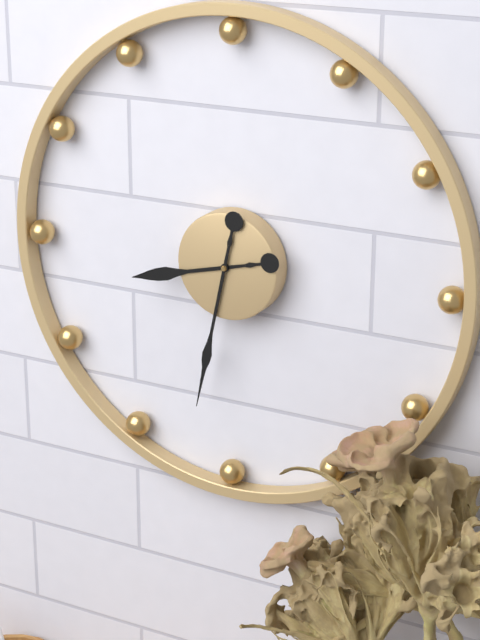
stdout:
**8:32**
